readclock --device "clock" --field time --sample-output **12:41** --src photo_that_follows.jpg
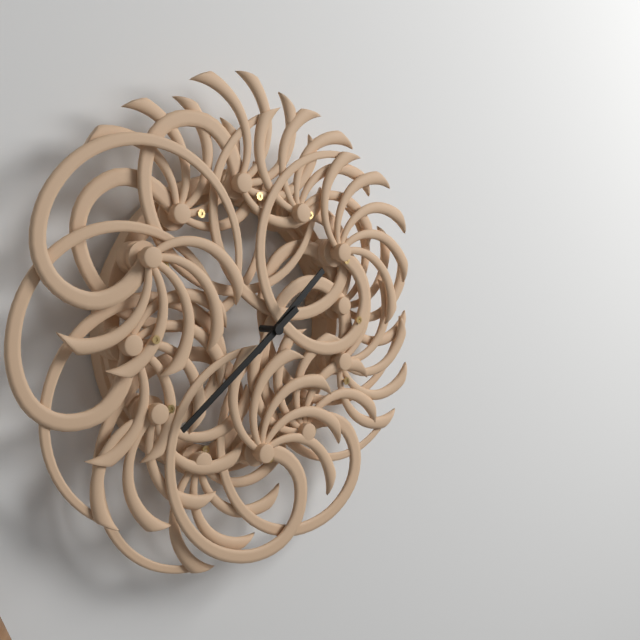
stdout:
**1:39**
